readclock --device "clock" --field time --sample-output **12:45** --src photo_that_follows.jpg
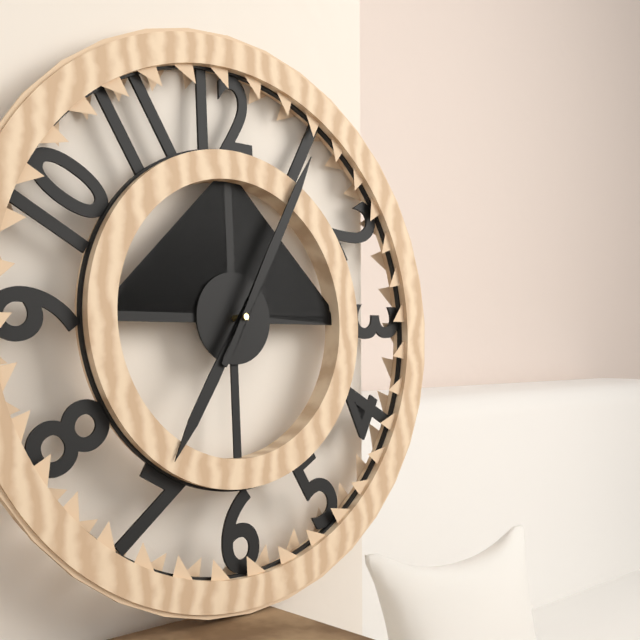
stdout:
**7:05**
